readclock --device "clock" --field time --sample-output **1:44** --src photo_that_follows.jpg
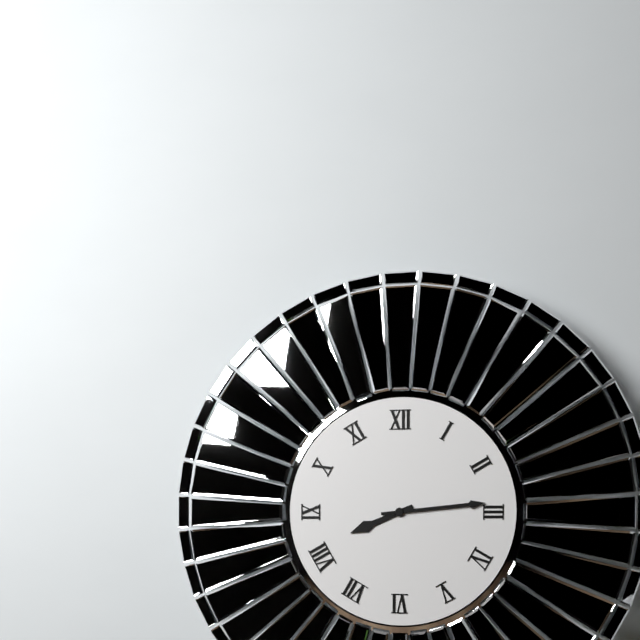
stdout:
**8:14**
